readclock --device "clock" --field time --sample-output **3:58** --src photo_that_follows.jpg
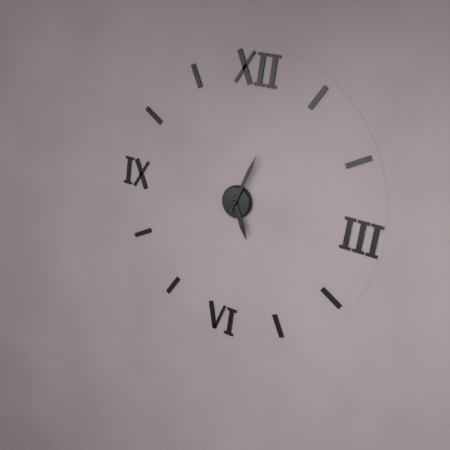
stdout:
**5:03**
